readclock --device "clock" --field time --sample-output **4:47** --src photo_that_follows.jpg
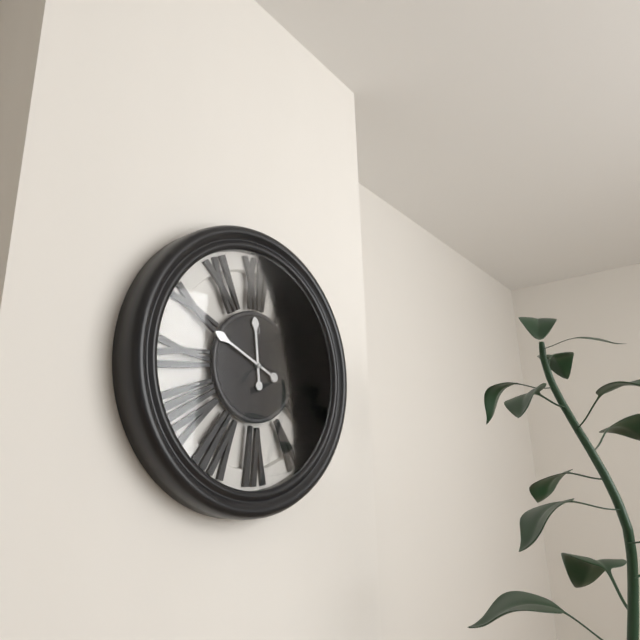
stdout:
**11:49**
